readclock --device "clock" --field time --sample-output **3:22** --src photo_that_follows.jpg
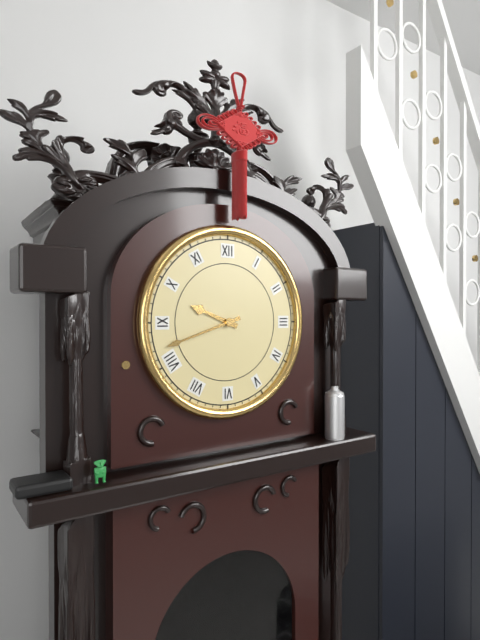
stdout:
**9:42**
